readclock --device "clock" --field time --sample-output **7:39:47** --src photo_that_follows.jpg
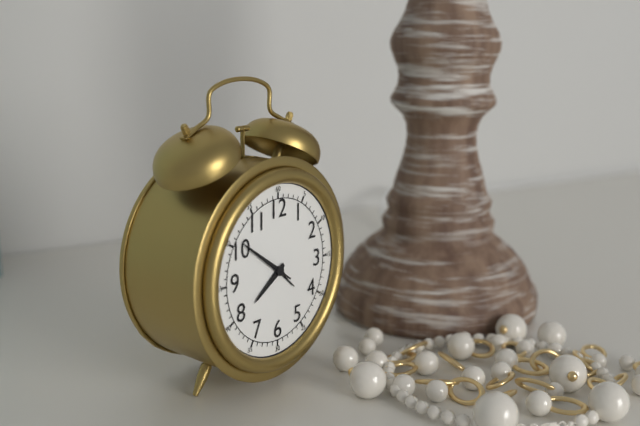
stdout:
**7:51:51**
